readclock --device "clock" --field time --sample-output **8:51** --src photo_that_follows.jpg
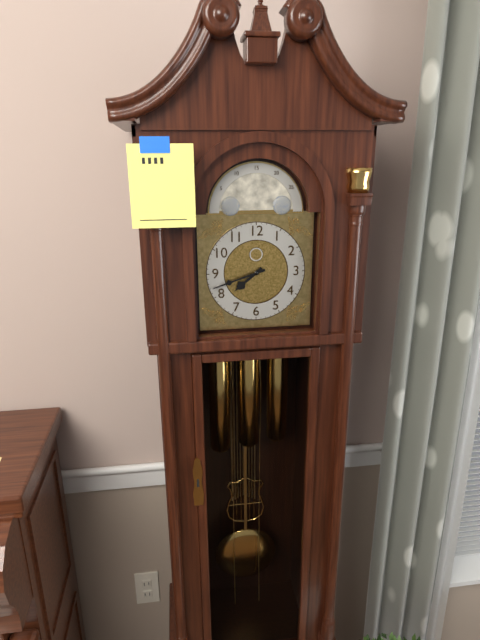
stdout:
**7:42**
